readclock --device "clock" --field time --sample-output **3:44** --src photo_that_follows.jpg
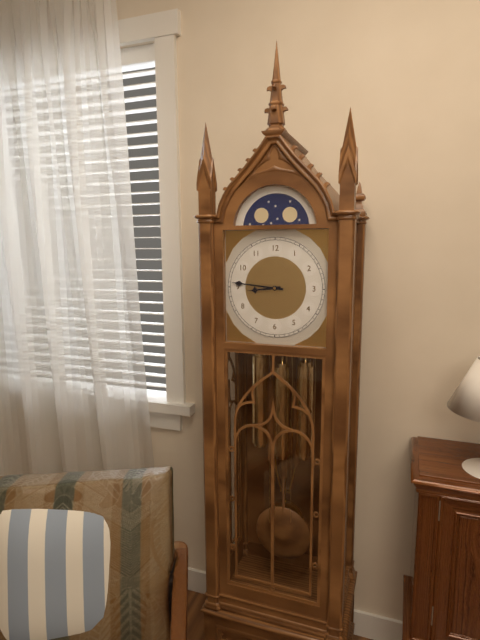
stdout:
**8:46**
